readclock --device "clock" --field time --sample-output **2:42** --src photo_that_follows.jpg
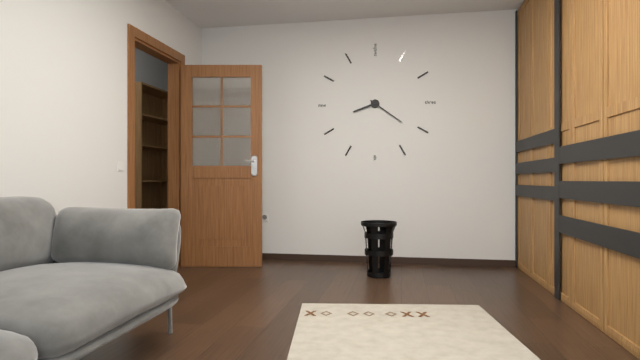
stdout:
**8:21**
